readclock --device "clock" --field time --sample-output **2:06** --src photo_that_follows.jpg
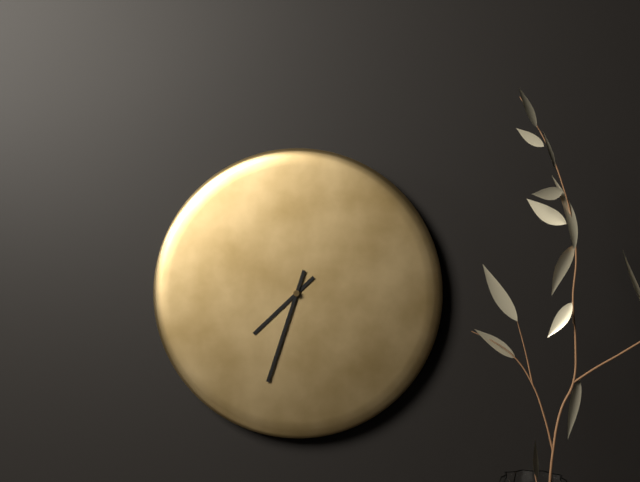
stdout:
**7:33**
